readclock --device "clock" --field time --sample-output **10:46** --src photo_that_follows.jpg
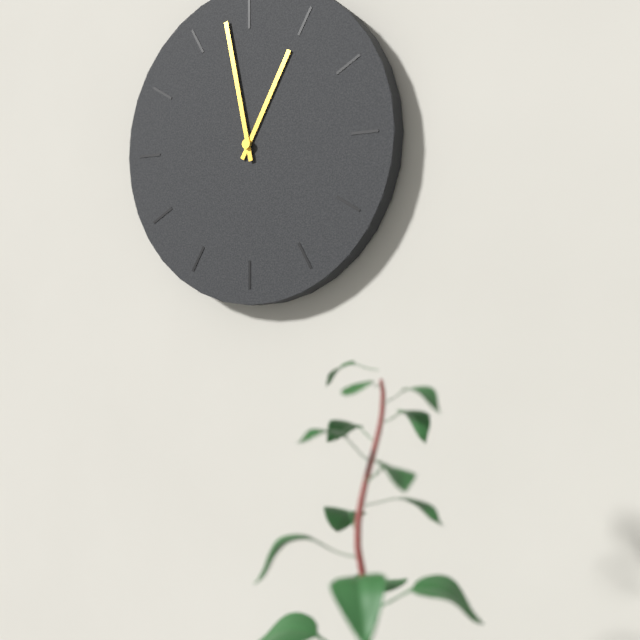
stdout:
**12:58**
